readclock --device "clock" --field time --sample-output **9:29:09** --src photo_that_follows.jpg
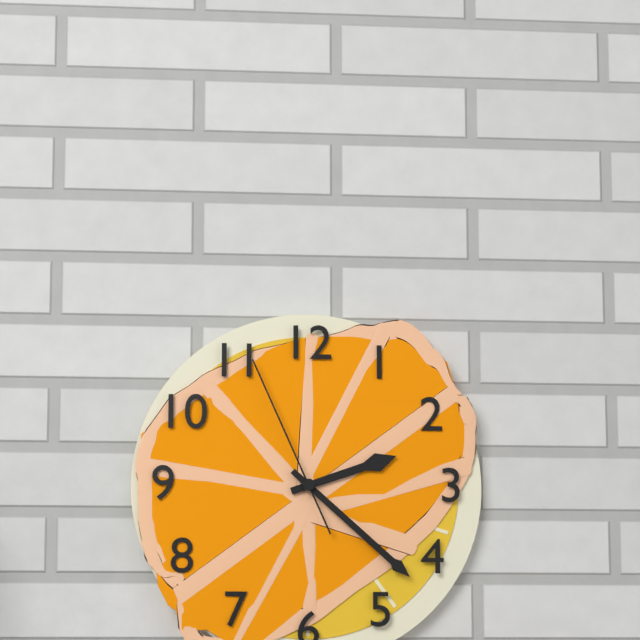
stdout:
**2:22:56**
